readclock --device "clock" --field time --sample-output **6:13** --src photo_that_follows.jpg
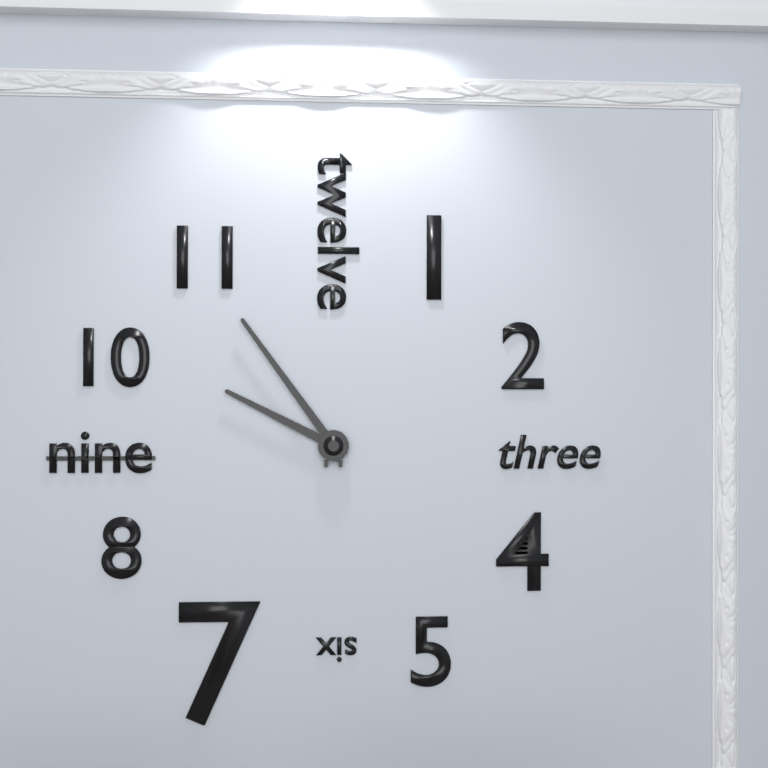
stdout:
**9:54**
